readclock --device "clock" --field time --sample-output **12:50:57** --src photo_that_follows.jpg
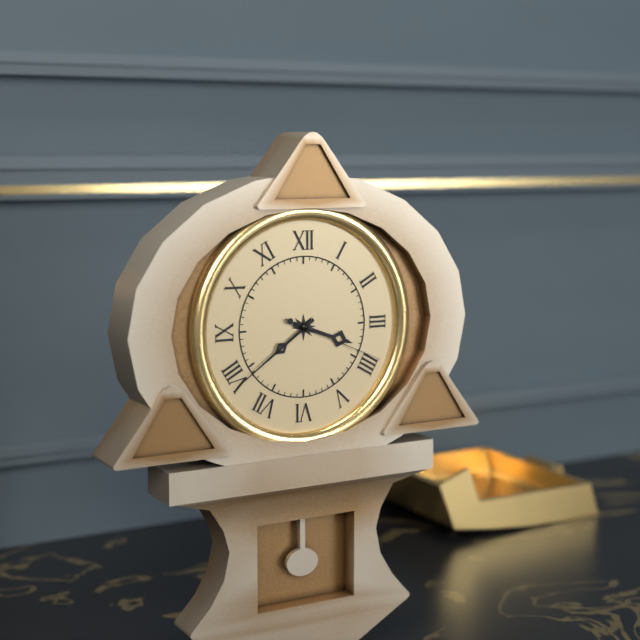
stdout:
**3:39:19**
